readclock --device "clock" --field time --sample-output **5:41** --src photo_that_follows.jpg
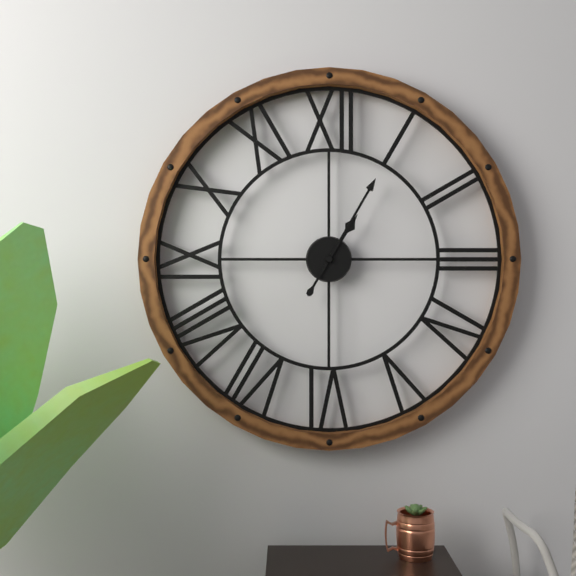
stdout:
**1:05**
